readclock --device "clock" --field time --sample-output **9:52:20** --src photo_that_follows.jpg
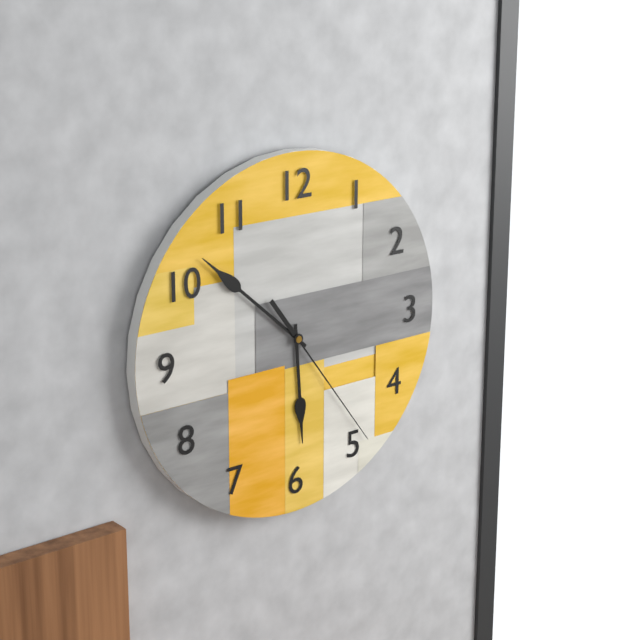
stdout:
**5:52:24**
